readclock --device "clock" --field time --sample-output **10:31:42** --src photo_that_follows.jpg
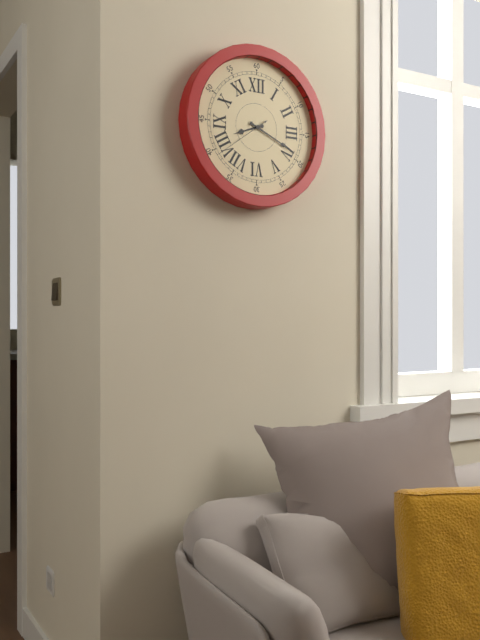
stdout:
**8:19:39**
